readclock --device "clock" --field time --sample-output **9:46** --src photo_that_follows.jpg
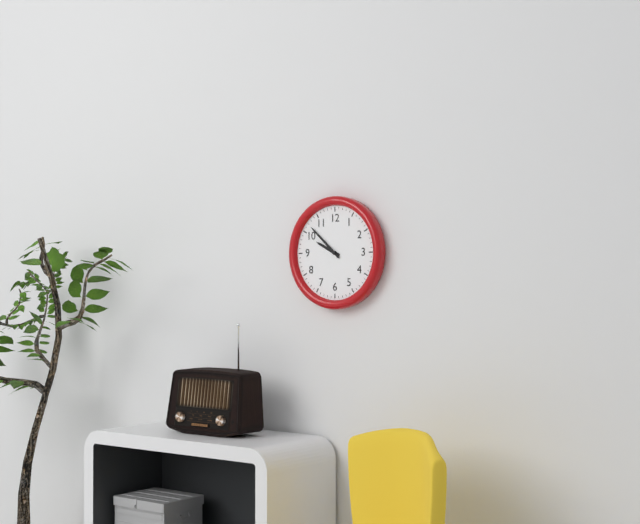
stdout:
**9:52**
